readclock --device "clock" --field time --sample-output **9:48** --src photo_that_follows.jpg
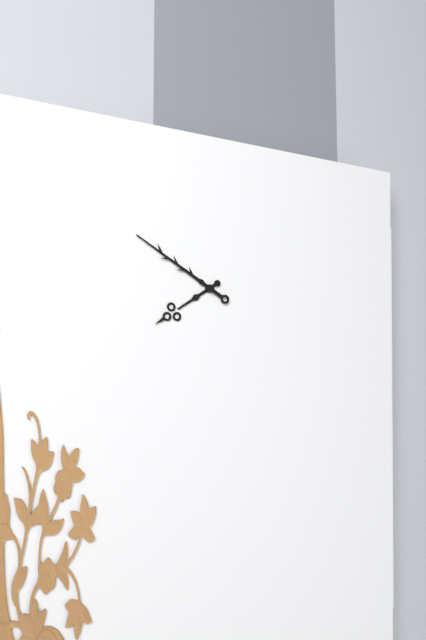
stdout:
**7:50**
